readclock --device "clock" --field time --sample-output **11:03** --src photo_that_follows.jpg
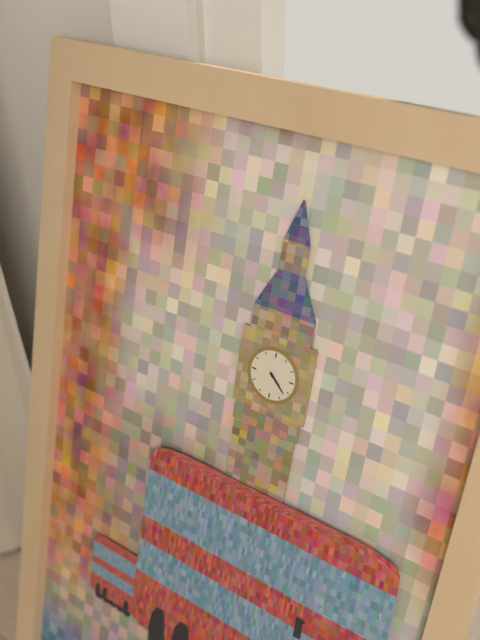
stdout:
**4:22**
